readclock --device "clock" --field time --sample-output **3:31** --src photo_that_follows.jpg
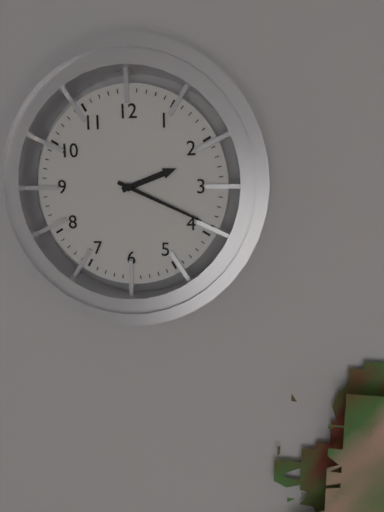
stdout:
**2:19**
